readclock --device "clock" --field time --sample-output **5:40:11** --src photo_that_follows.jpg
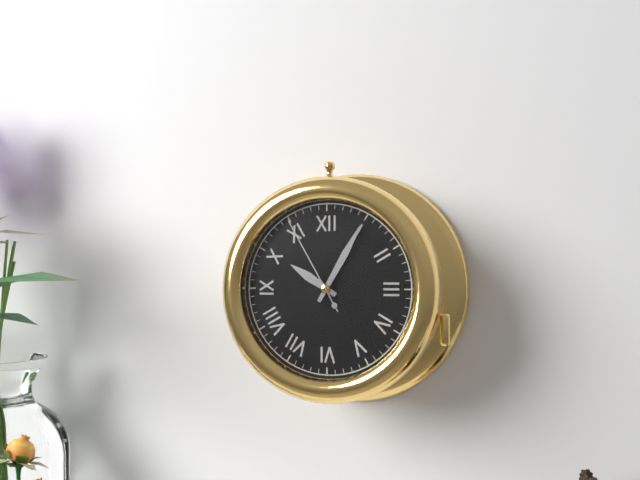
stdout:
**10:05:55**
